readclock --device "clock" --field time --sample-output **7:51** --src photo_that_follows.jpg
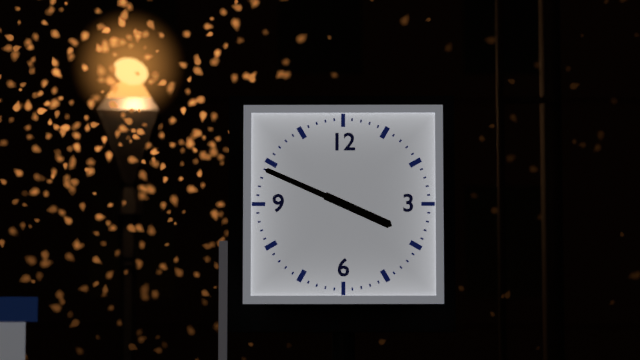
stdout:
**3:49**
